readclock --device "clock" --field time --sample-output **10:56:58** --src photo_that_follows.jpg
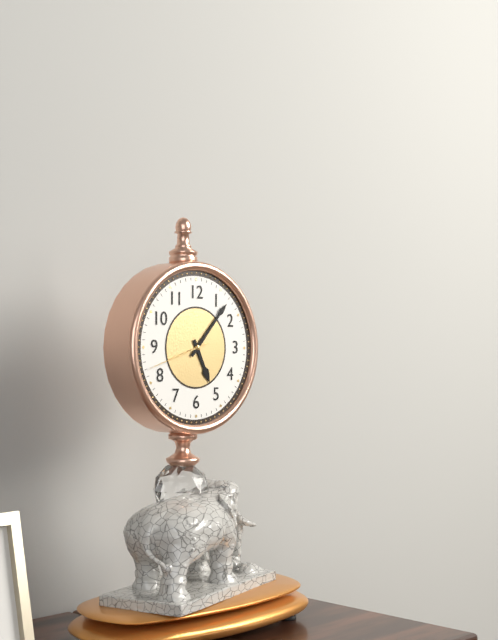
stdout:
**5:07:42**
